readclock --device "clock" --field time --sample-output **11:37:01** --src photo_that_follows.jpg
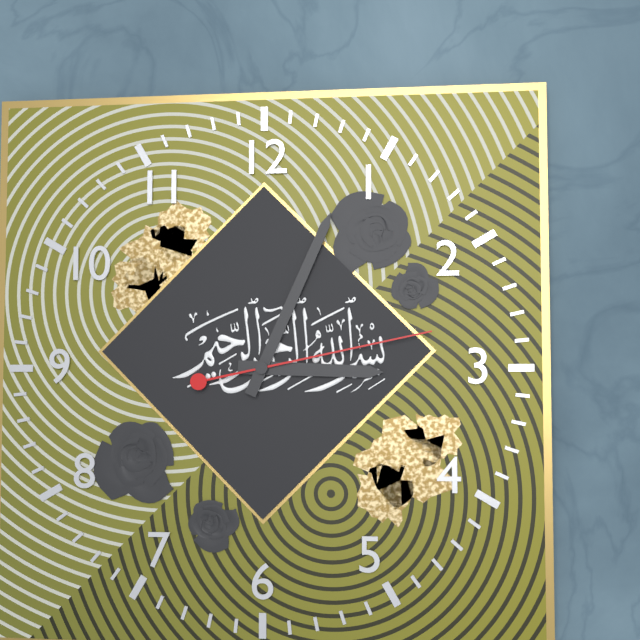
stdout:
**3:04:13**
